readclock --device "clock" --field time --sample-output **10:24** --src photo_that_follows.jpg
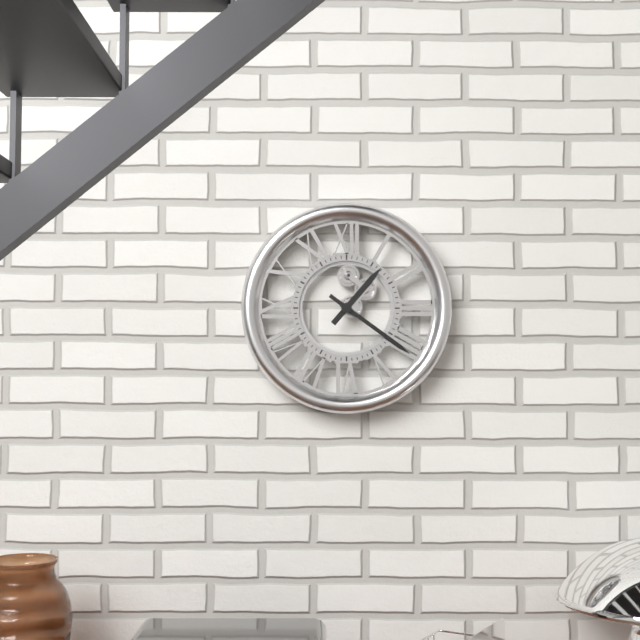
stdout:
**1:21**
